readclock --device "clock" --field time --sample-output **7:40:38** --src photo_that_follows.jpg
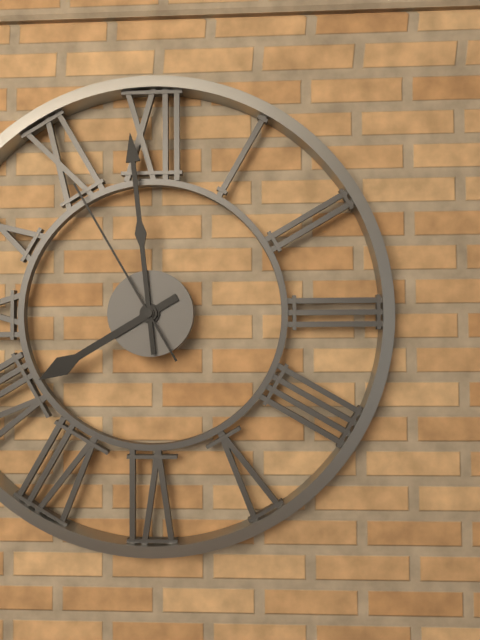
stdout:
**7:59:55**
